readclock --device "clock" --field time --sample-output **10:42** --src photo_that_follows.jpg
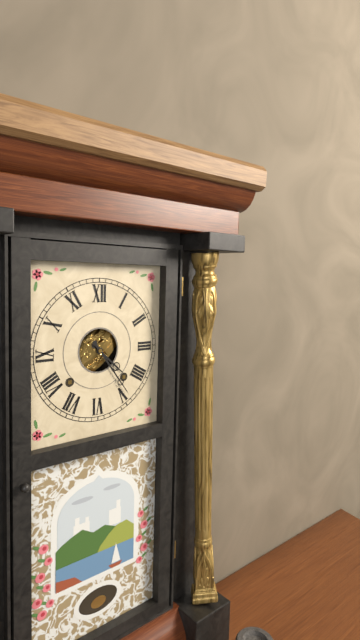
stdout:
**4:24**
